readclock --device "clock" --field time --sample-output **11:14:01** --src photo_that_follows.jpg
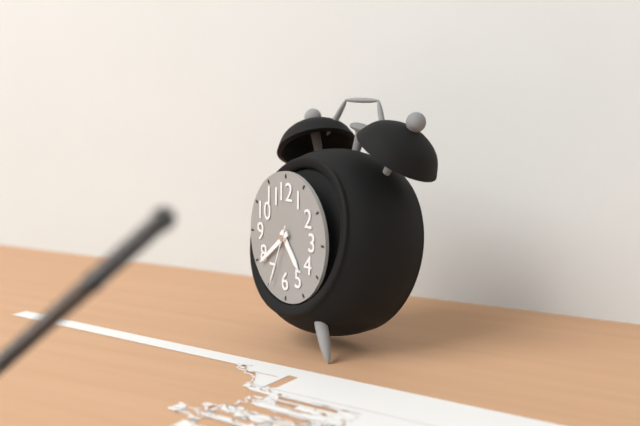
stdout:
**4:39:34**
